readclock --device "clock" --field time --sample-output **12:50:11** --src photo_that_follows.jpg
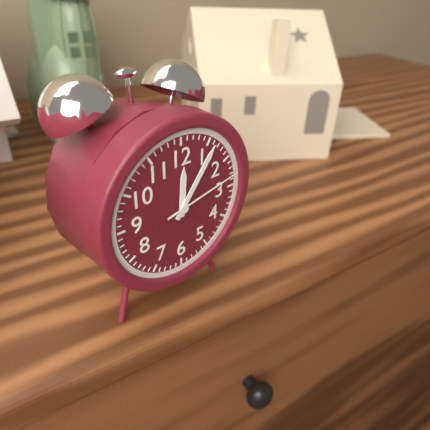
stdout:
**12:06:13**
